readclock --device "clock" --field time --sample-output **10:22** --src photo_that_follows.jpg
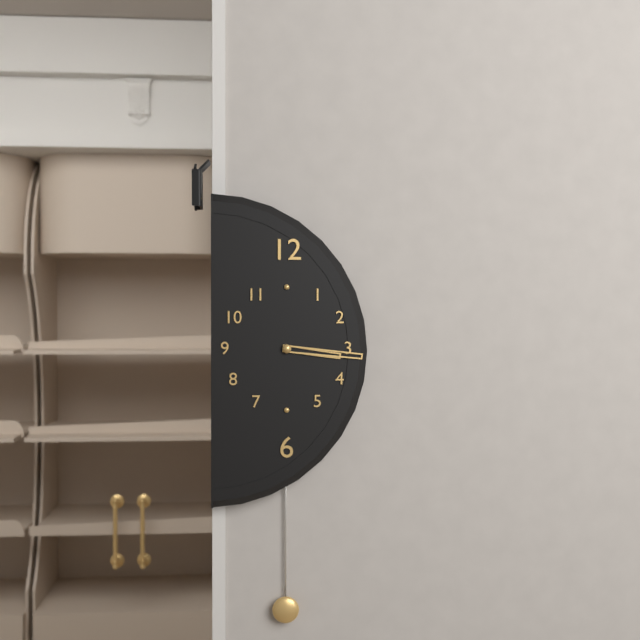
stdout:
**3:16**
